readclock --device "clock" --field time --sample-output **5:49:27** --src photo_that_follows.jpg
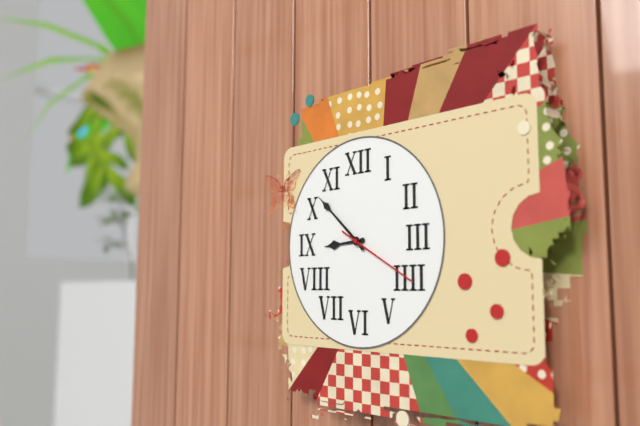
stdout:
**8:52:20**
